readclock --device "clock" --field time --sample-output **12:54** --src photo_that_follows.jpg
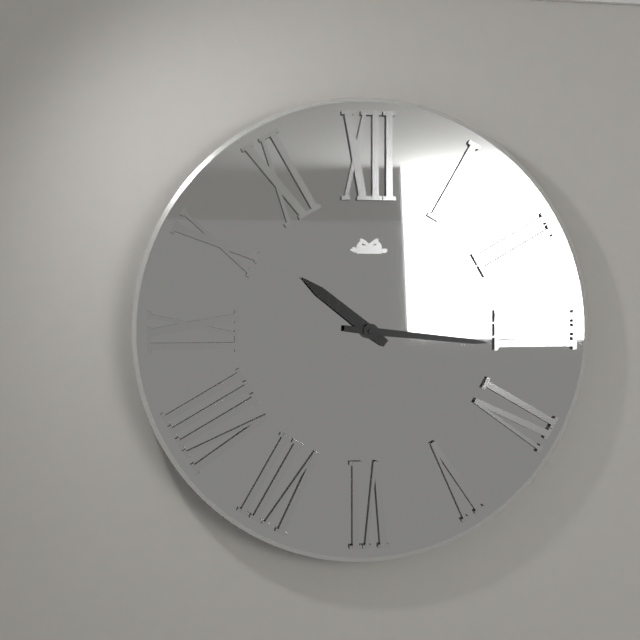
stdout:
**10:16**
